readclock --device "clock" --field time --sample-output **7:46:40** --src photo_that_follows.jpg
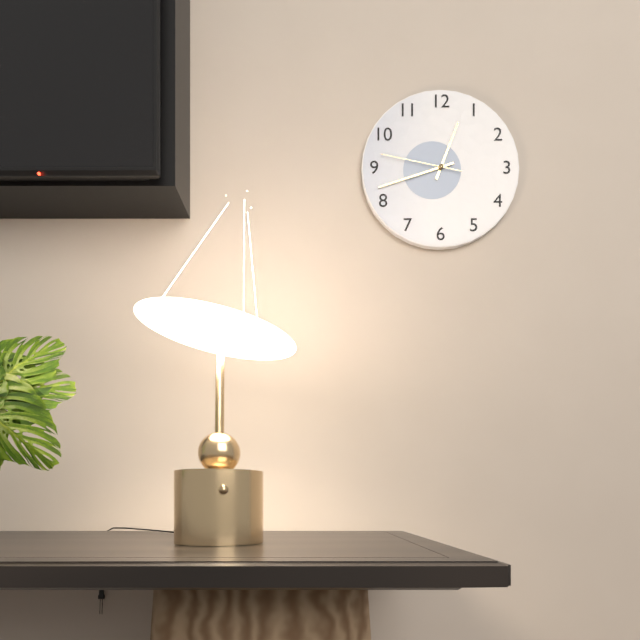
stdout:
**12:42:47**
